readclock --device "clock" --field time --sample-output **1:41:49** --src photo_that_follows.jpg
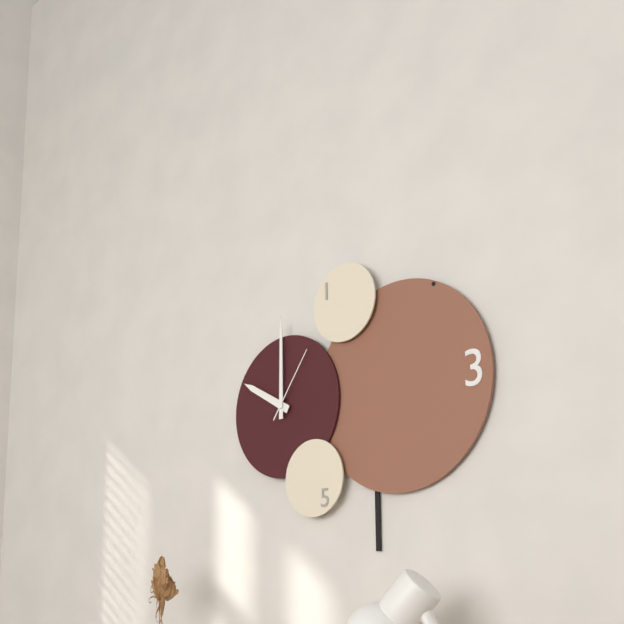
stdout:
**10:00:06**
